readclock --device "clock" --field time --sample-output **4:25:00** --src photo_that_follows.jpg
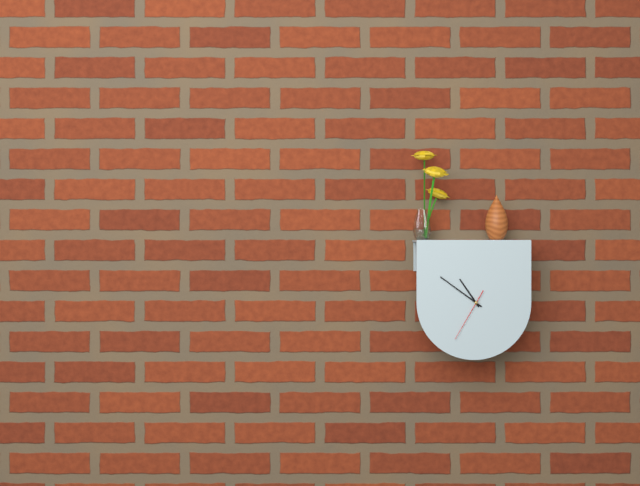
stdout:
**10:51:35**
